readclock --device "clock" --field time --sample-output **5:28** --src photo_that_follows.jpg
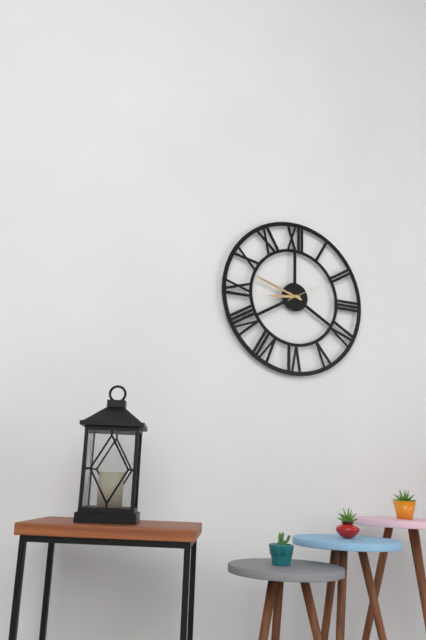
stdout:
**8:48**
